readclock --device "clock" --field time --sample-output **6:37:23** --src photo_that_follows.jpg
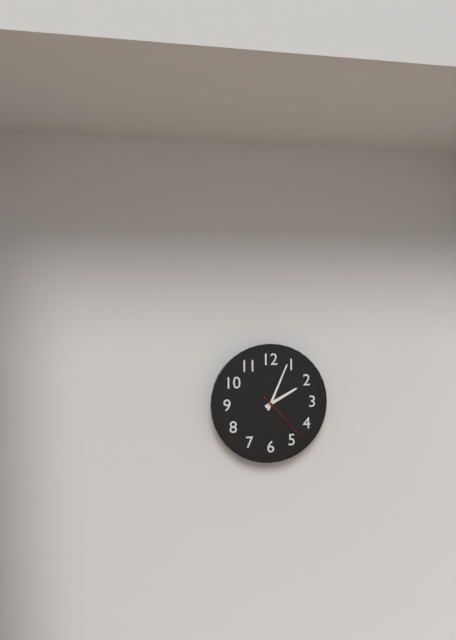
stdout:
**2:04:23**
